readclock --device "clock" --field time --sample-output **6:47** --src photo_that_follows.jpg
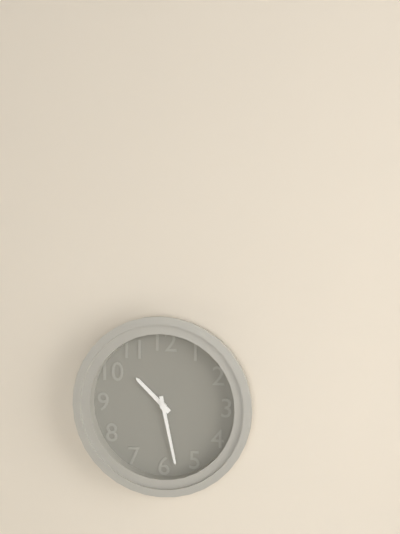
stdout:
**10:28**
